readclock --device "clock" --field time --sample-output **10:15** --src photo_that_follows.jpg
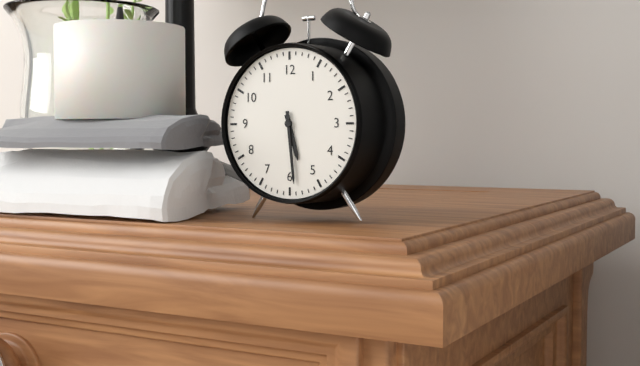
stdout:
**5:29**
